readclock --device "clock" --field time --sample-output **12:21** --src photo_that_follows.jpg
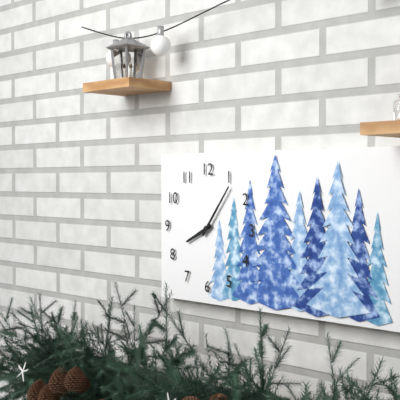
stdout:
**8:06**
